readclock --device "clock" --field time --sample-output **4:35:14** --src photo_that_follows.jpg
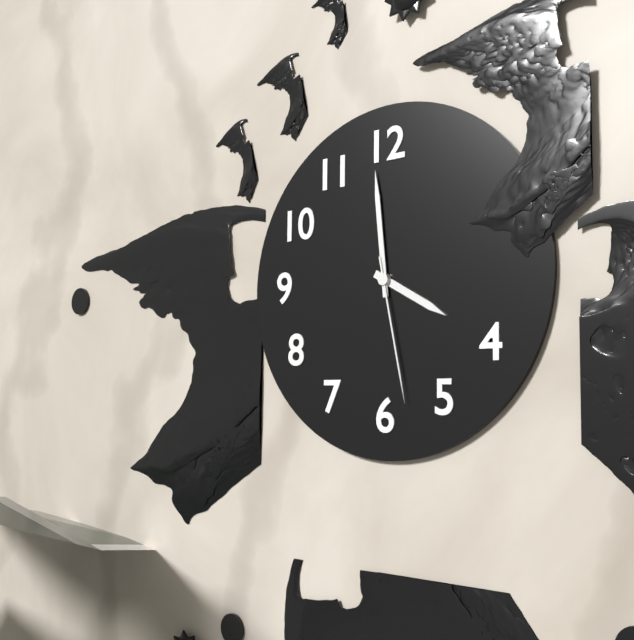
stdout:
**3:59:28**
